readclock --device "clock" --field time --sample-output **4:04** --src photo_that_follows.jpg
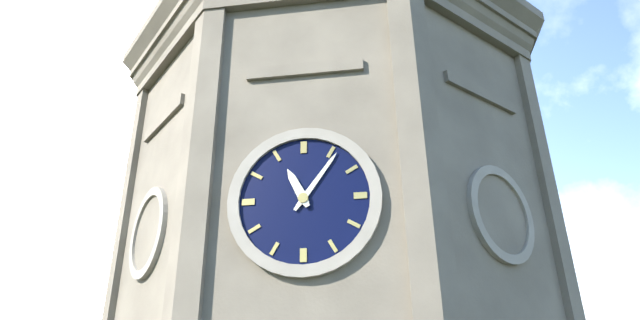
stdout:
**11:06**
